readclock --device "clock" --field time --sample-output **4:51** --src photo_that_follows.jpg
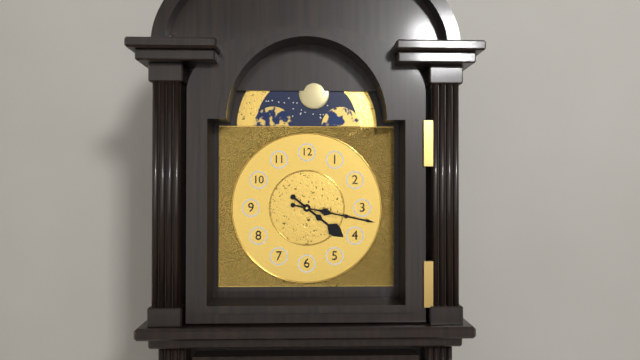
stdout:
**4:17**
